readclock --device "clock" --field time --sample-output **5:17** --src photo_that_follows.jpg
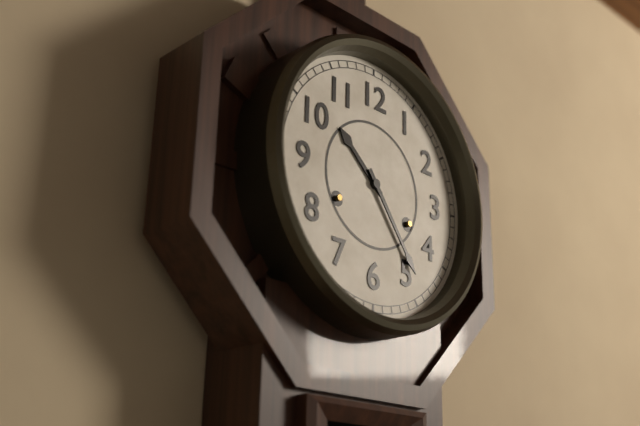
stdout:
**10:24**
